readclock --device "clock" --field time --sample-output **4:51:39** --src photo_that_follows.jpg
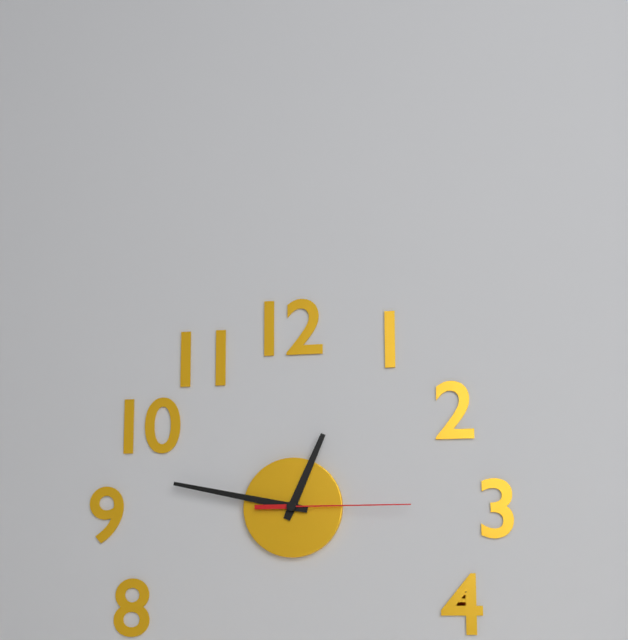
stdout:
**12:47:15**
